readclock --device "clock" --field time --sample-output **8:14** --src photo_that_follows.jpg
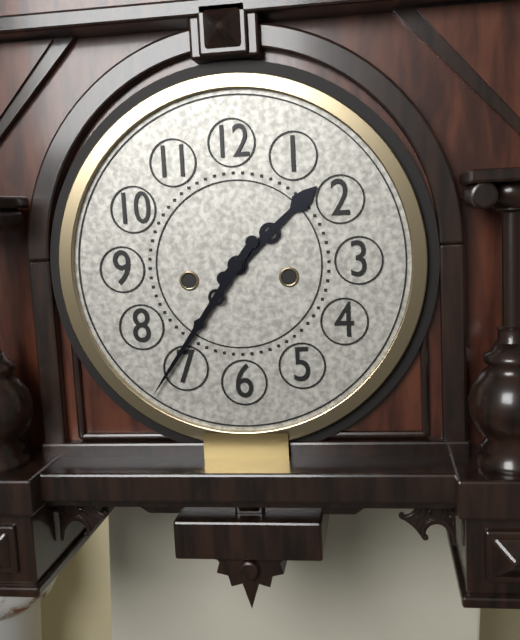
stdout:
**1:36**
